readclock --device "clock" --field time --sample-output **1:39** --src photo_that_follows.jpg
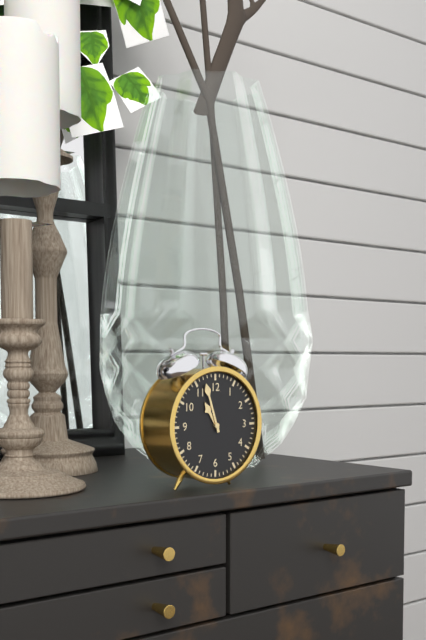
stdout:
**10:57**
